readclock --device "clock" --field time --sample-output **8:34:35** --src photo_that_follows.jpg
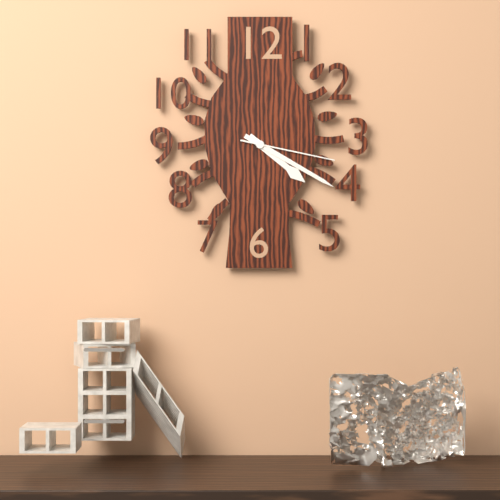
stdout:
**4:20:17**
